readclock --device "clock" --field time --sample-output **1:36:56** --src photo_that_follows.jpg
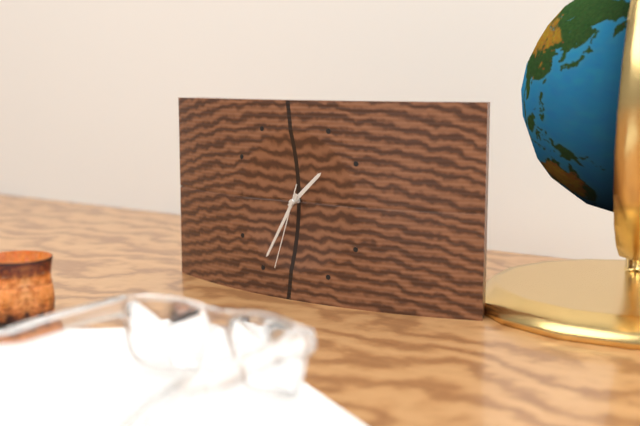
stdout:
**1:35:33**
